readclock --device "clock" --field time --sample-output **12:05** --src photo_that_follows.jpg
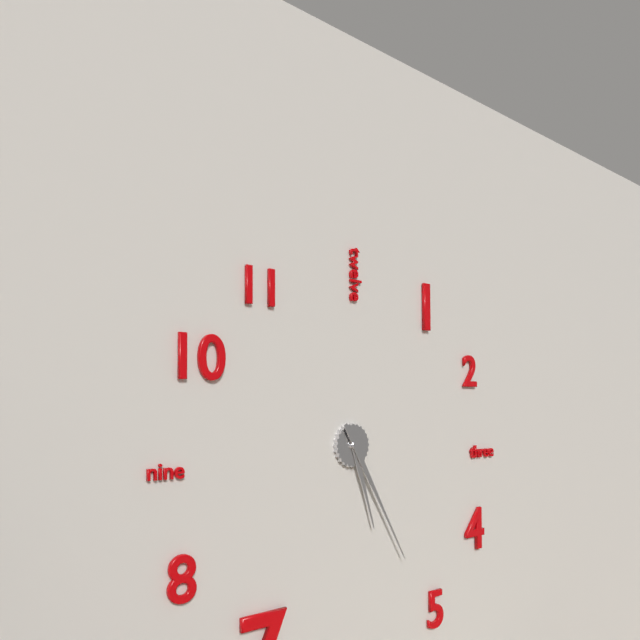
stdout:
**5:25**
